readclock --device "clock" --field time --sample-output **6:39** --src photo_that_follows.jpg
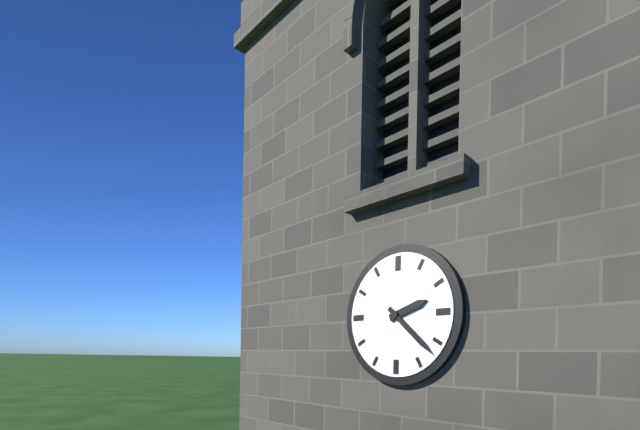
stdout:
**2:22**
